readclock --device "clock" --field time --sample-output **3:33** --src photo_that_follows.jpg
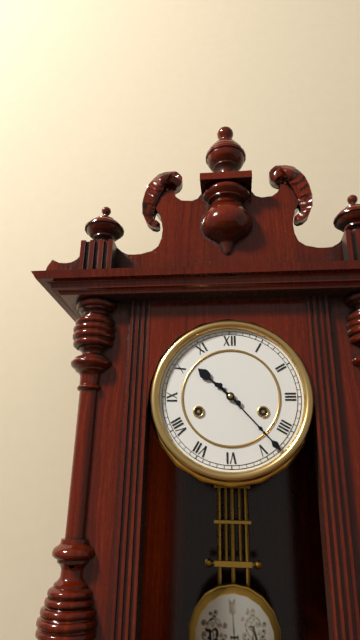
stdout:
**10:23**
